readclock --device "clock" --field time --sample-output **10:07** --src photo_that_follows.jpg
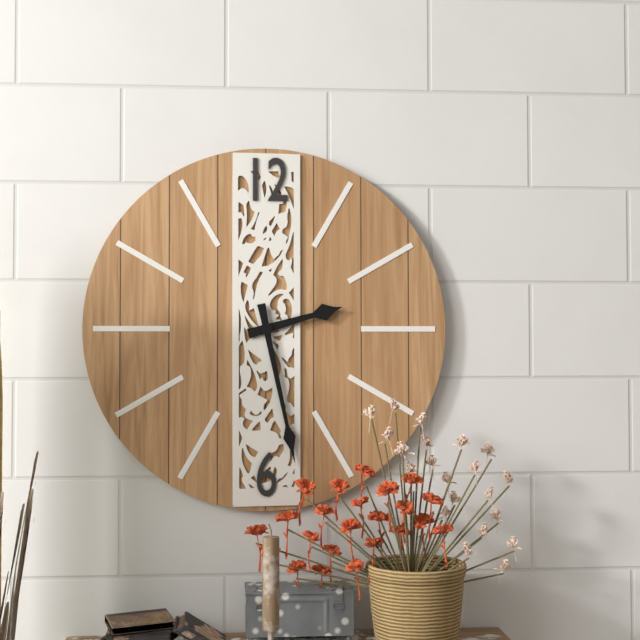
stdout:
**2:28**
